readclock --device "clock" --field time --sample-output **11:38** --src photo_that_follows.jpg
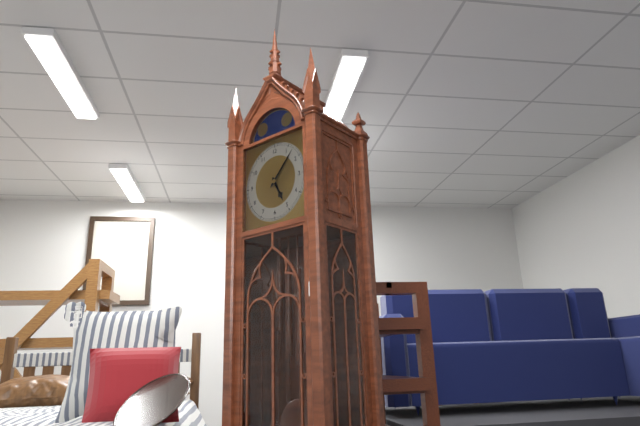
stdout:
**5:07**
